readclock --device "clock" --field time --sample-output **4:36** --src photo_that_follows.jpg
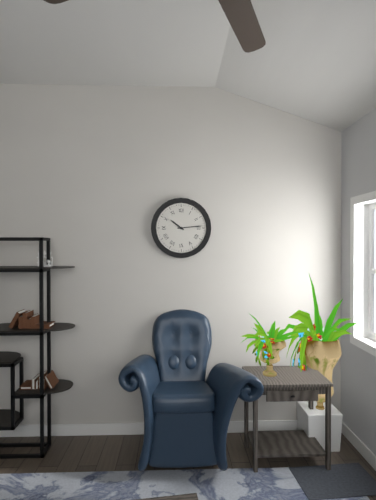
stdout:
**10:14**
